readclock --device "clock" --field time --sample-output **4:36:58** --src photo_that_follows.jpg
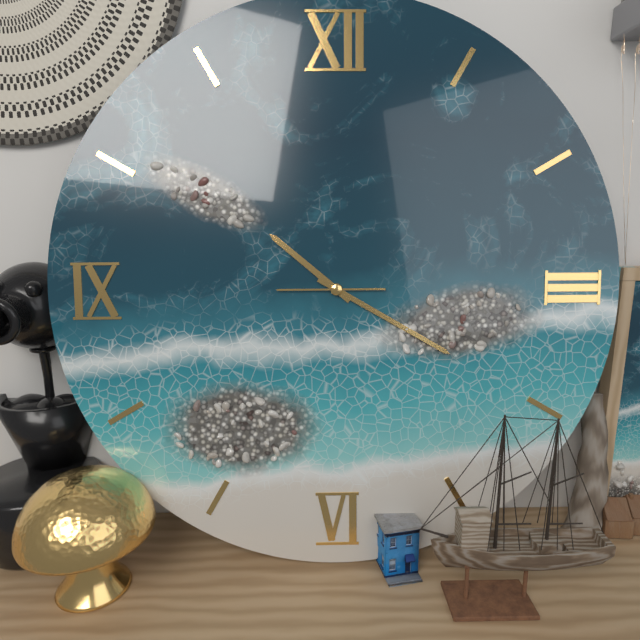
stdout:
**10:20:45**
